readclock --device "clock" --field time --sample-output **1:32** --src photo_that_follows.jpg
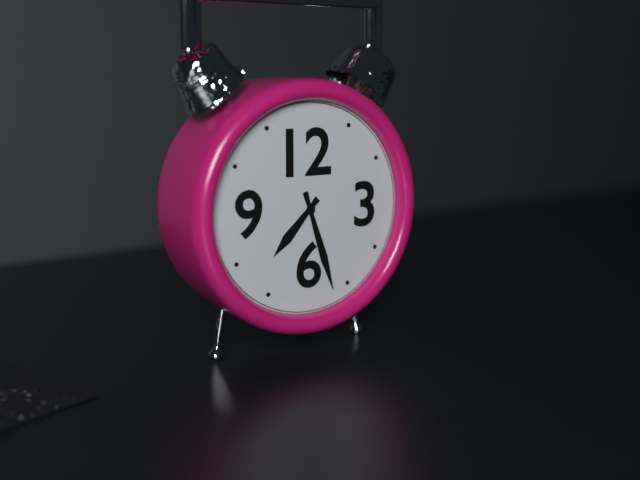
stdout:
**7:27**
